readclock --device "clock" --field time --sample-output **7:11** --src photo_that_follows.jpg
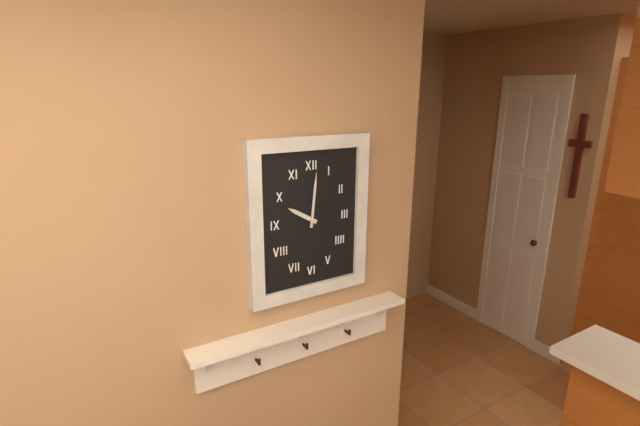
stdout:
**10:01**
